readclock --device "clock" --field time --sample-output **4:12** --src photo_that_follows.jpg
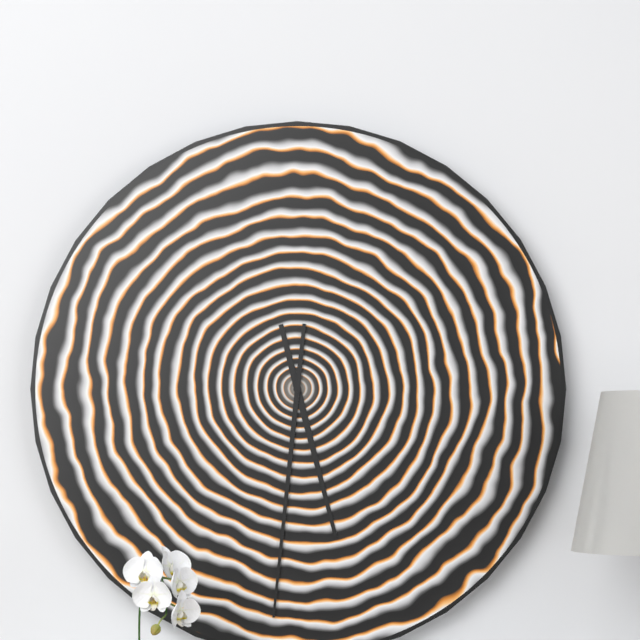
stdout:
**5:31**
